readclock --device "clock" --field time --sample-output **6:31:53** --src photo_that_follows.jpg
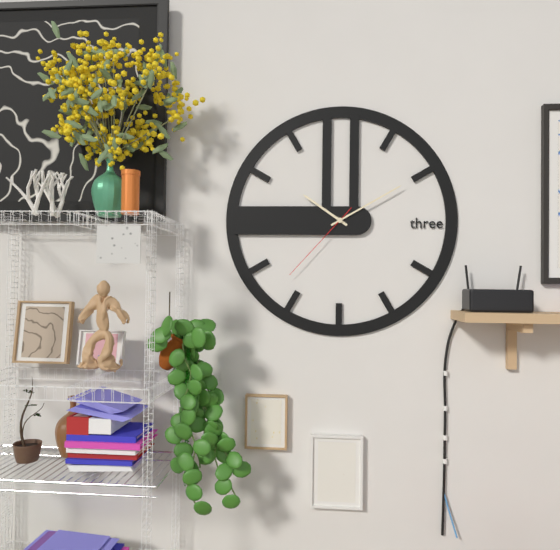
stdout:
**10:10:37**
